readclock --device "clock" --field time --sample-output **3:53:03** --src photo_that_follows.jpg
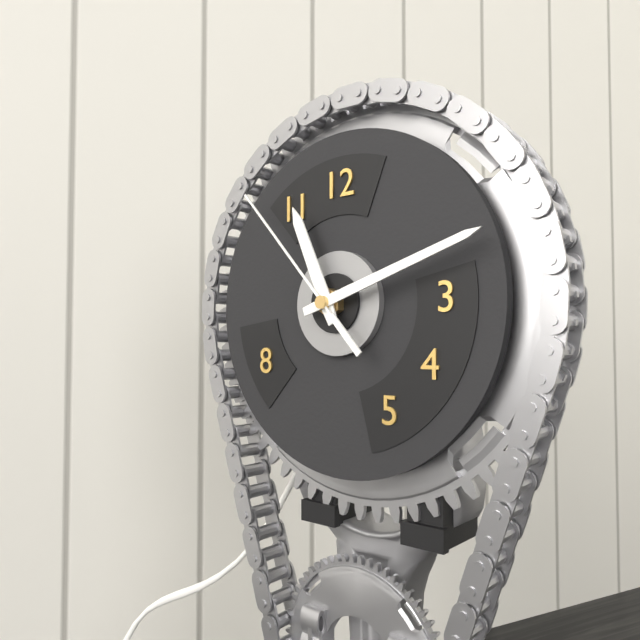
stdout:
**11:12:53**
